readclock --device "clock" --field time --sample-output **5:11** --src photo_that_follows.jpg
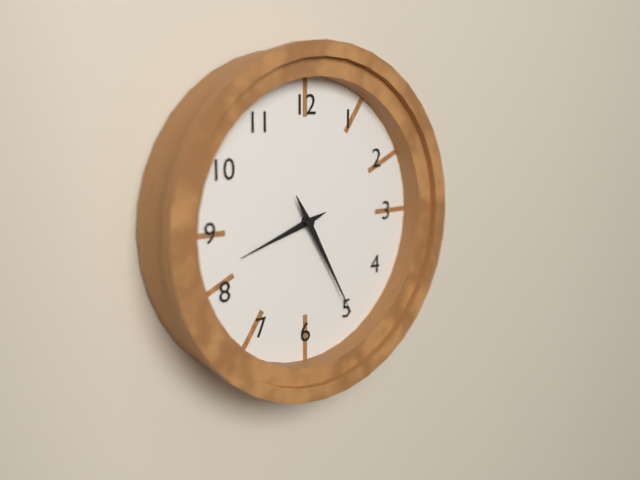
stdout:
**8:25**
